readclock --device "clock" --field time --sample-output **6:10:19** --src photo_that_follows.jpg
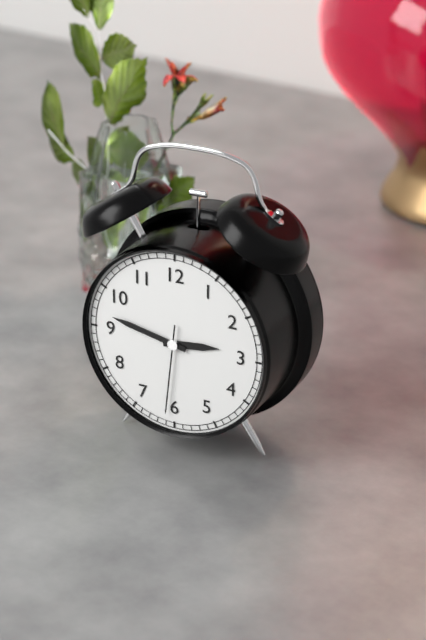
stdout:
**2:47:31**
